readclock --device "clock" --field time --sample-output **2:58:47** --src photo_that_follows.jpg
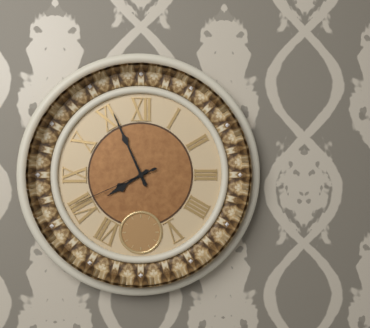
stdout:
**7:56:41**
